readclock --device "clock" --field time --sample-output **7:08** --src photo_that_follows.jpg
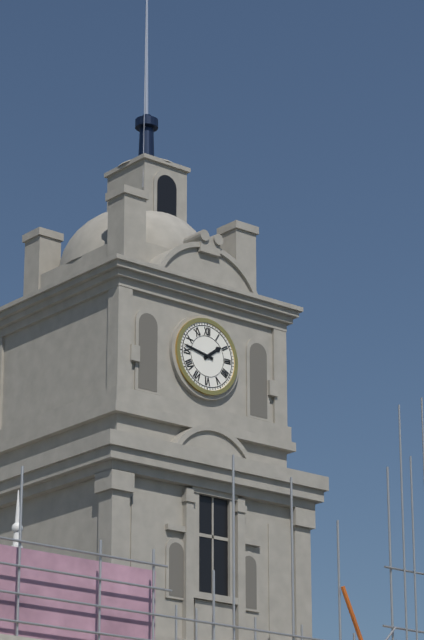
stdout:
**1:47**
